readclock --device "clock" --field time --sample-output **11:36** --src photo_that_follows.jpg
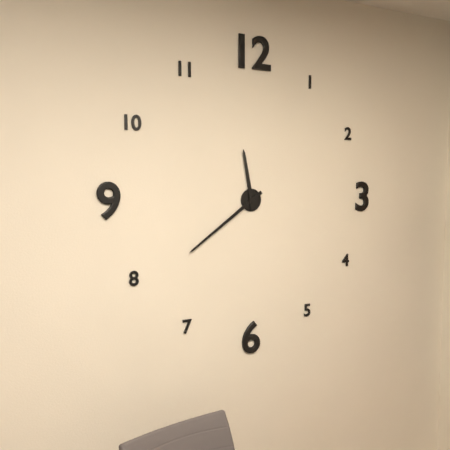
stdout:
**11:39**
